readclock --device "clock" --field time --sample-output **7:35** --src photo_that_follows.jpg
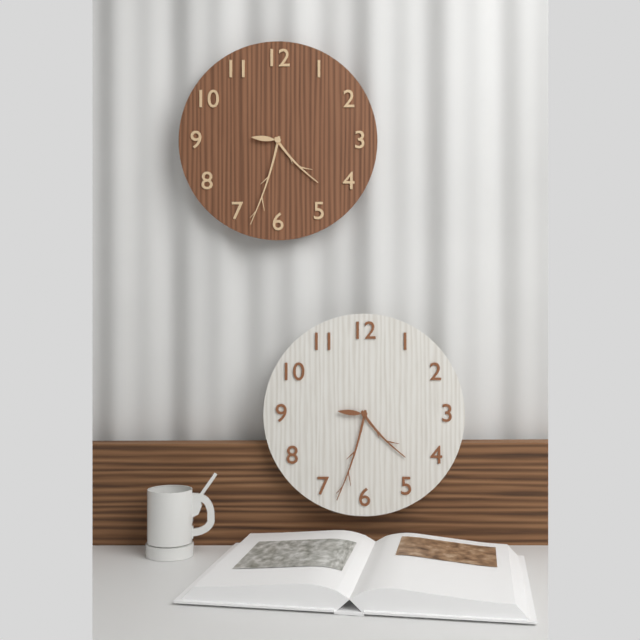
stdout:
**4:33**
